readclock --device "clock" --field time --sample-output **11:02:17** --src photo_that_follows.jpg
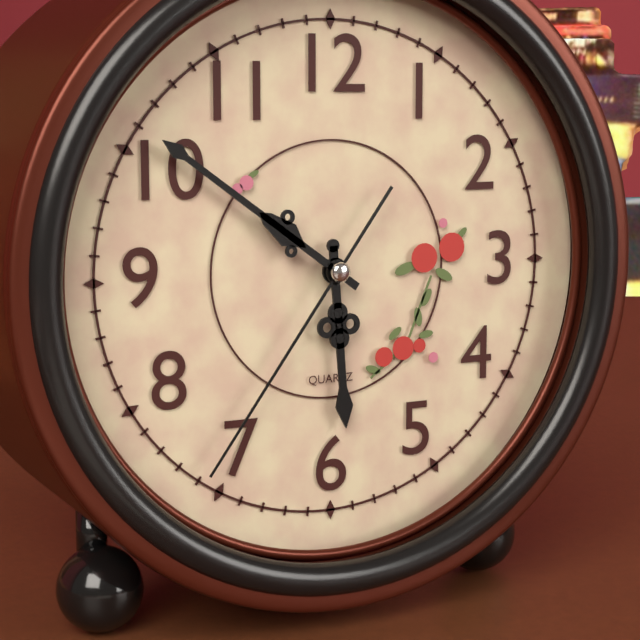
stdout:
**5:51:36**
